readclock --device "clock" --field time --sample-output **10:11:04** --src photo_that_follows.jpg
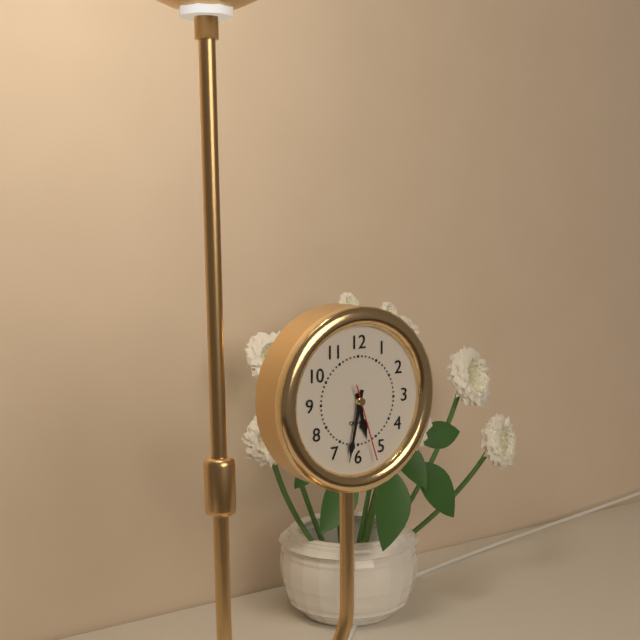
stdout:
**5:32:27**
